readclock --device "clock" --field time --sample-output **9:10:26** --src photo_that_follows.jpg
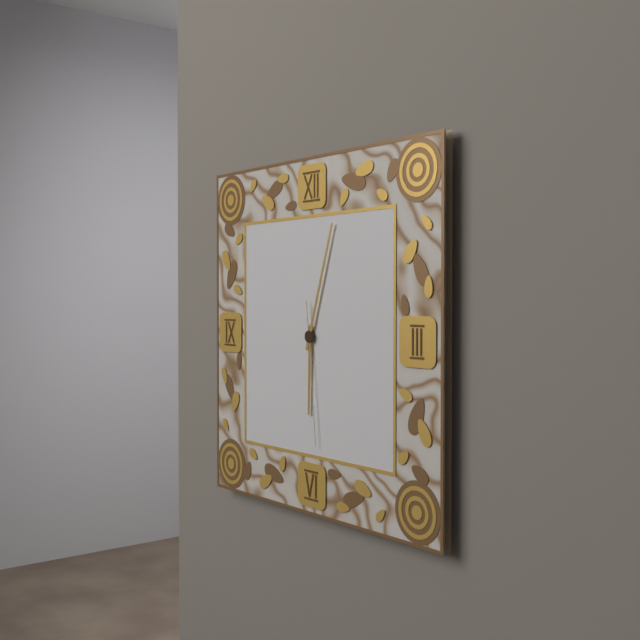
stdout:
**6:03:29**
